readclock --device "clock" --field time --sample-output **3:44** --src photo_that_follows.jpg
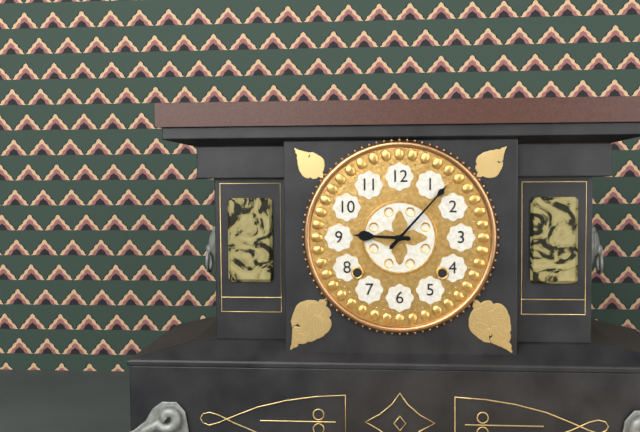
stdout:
**9:07**
